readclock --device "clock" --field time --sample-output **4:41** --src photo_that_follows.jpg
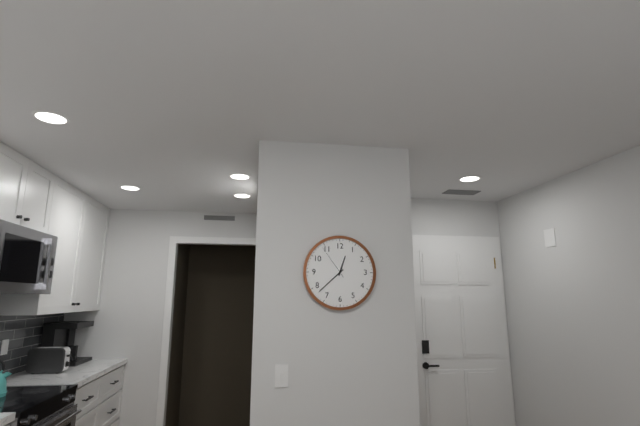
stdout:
**12:38**
